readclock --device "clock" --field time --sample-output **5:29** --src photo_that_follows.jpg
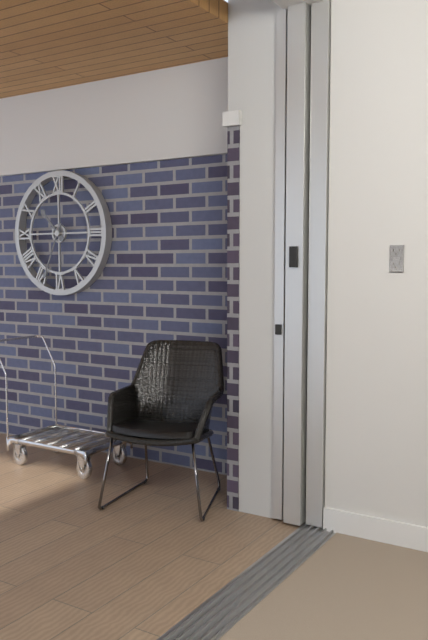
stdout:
**10:34**
